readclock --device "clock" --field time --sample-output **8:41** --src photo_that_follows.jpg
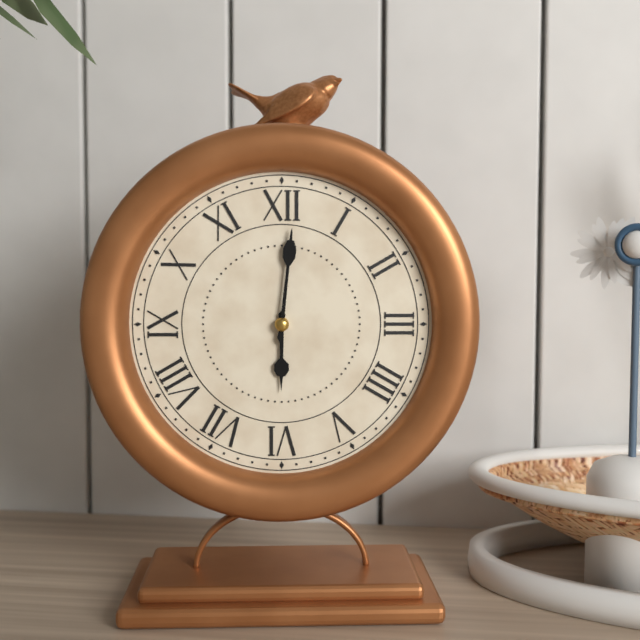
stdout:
**6:01**
